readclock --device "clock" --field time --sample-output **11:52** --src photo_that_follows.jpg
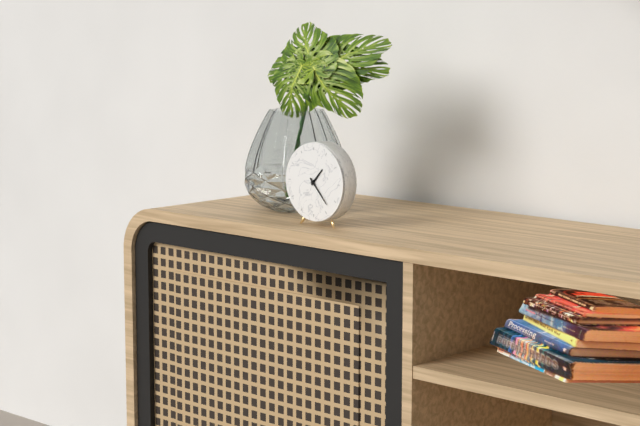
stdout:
**1:23**
